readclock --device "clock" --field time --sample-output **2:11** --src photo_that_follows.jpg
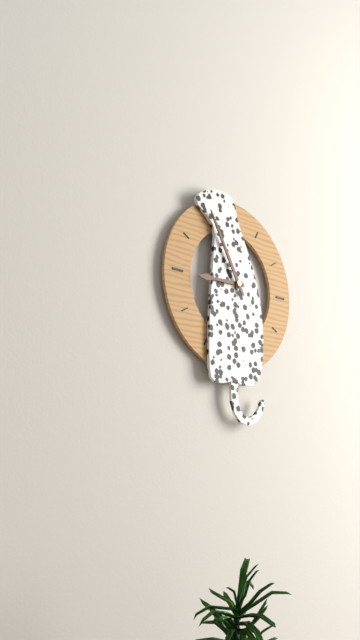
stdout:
**8:55**
